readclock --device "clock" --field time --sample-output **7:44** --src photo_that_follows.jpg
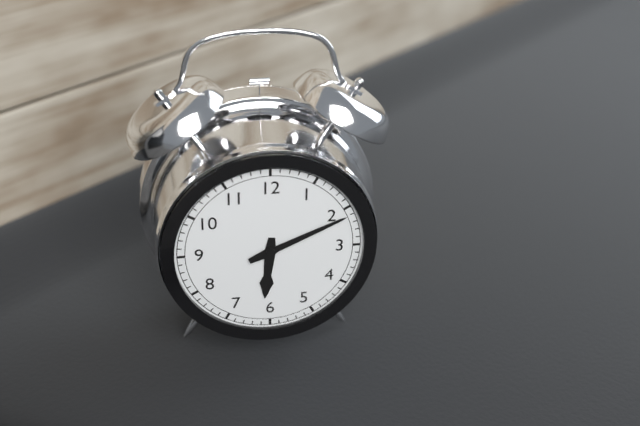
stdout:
**6:11**
